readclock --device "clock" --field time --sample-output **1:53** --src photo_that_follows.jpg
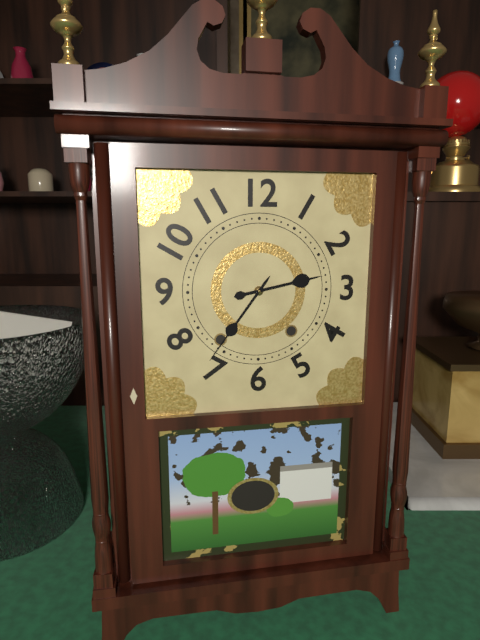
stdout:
**2:36**
